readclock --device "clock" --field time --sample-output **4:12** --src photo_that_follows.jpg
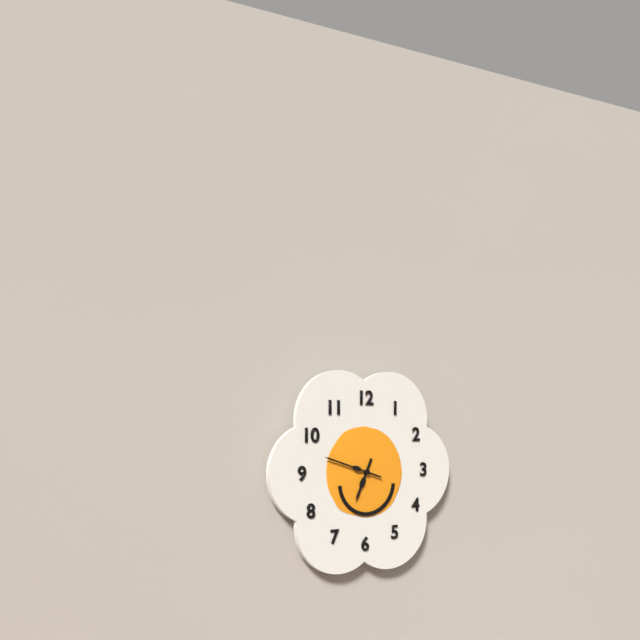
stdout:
**6:48**
